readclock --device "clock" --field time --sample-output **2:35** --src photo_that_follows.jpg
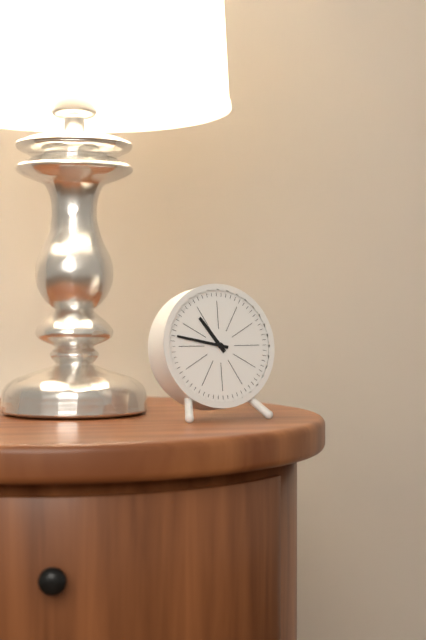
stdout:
**10:47**
